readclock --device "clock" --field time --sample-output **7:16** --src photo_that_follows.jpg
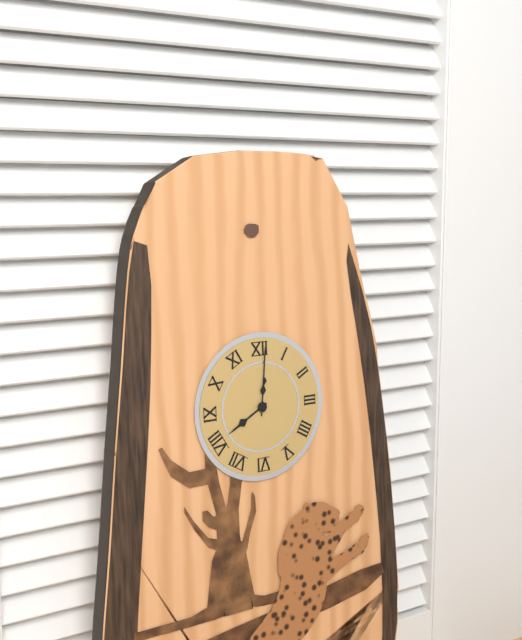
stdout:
**8:01**
